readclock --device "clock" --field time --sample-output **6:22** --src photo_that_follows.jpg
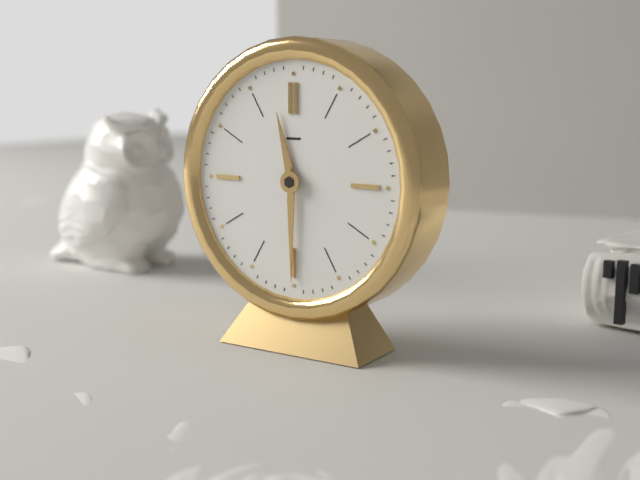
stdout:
**11:30**
